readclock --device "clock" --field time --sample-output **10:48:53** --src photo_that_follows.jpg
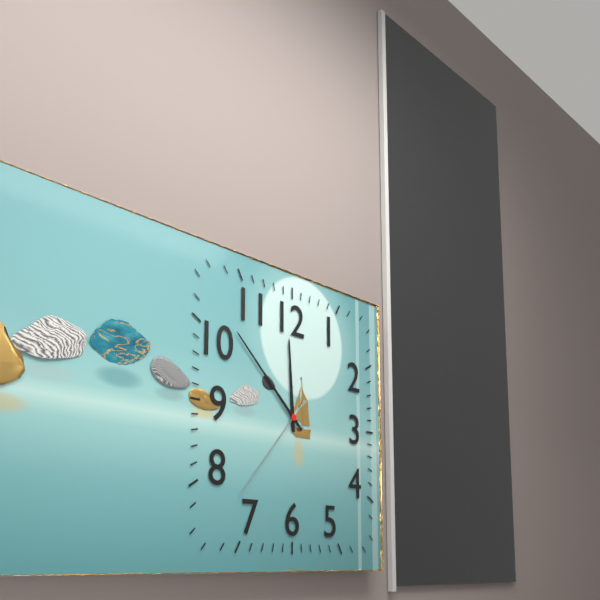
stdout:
**11:52:37**
